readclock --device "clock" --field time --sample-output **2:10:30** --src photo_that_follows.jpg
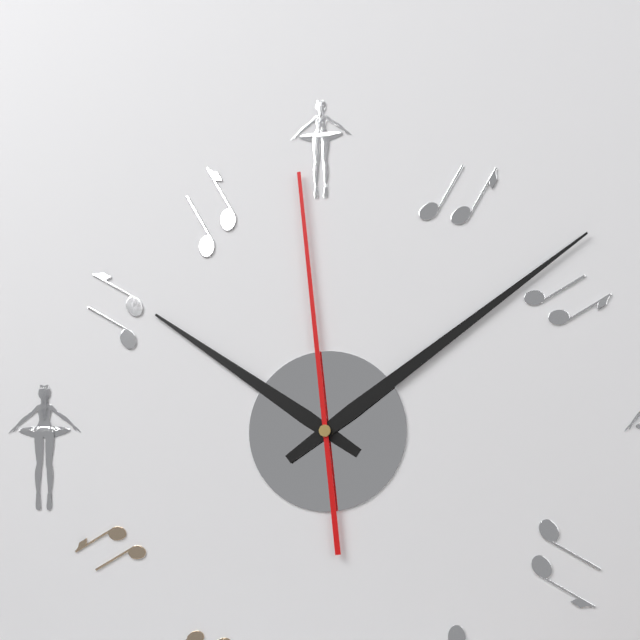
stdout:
**10:09:59**
